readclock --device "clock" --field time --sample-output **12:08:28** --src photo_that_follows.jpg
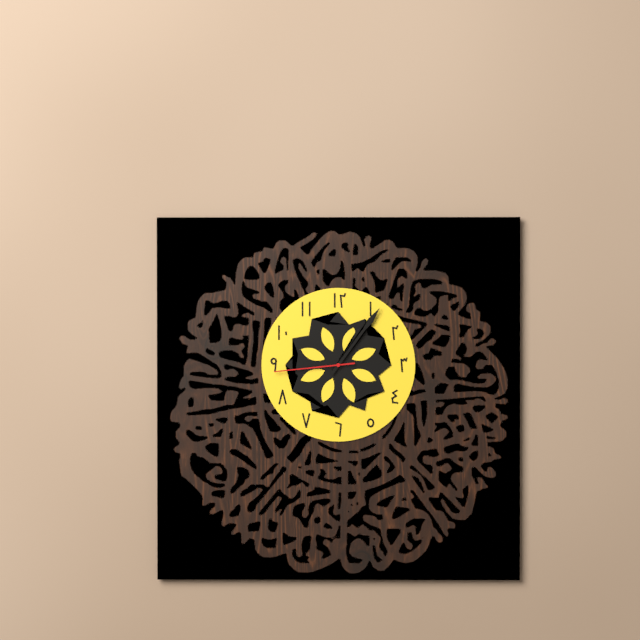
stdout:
**1:06:44**
